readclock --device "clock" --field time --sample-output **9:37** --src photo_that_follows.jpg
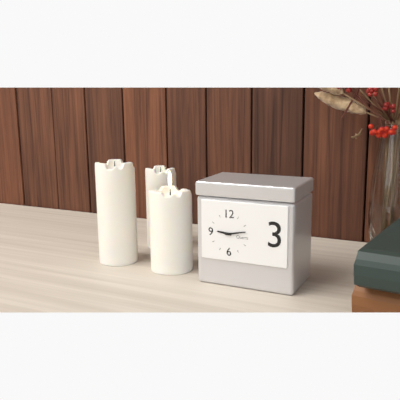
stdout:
**9:13**
